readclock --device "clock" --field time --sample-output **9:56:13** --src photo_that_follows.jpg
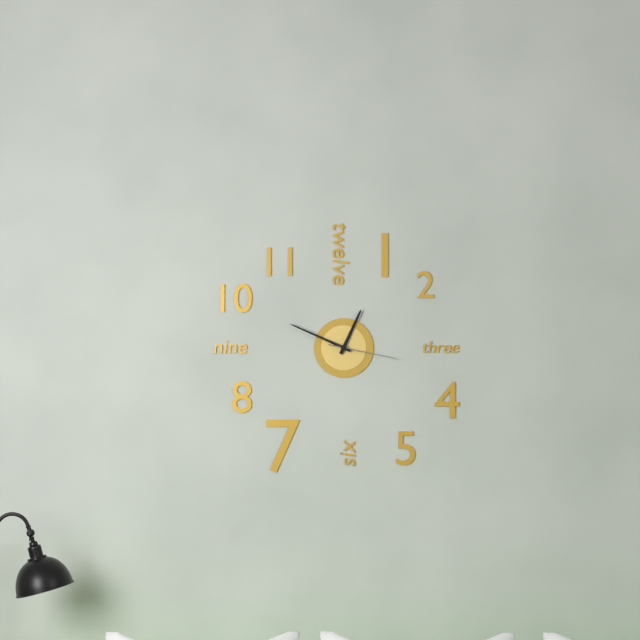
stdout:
**12:49:17**
